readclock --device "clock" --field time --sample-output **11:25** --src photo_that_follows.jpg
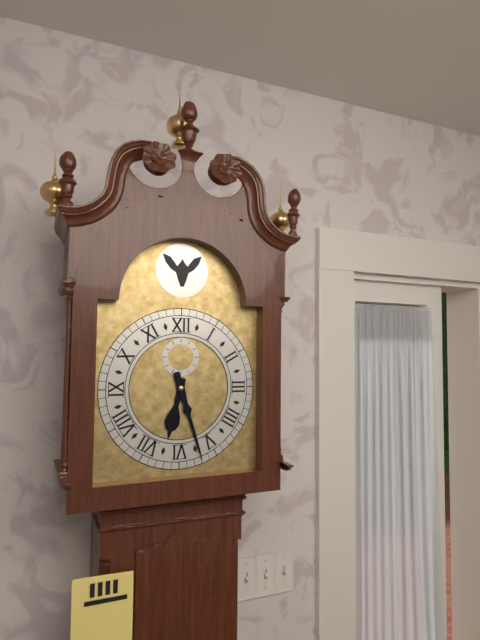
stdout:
**6:27**
